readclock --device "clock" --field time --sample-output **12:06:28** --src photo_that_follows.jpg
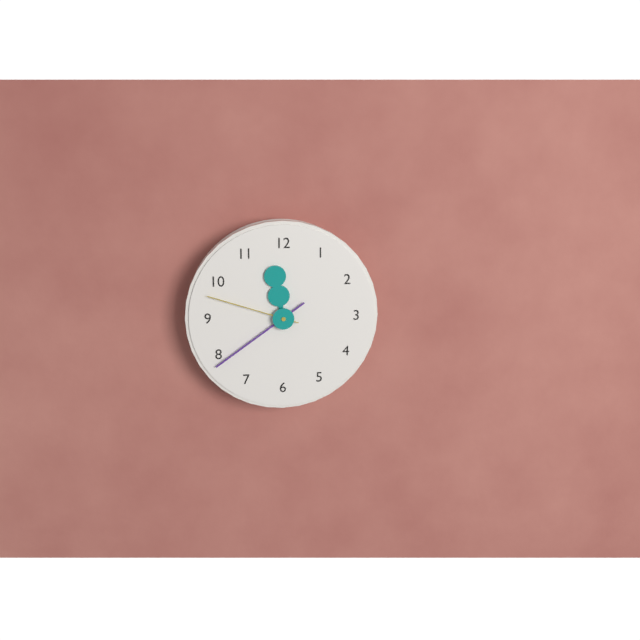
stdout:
**11:39:48**
